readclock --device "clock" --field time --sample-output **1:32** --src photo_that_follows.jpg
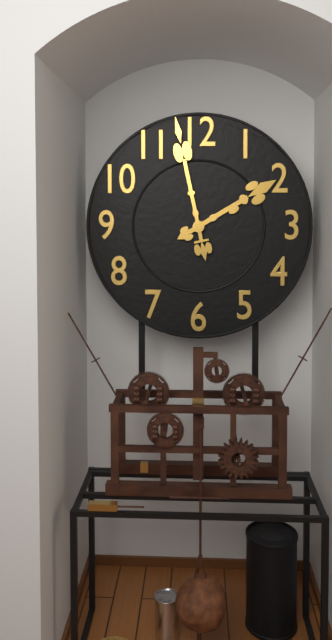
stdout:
**1:58**
